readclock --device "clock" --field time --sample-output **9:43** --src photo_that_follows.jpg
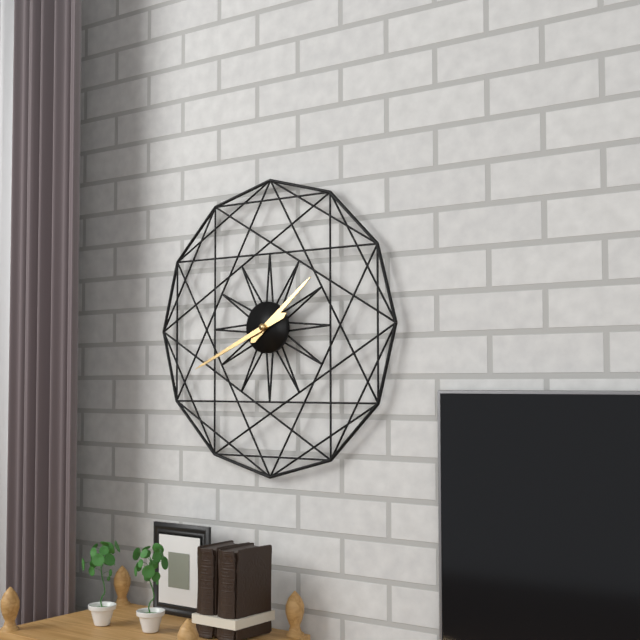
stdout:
**1:41**
